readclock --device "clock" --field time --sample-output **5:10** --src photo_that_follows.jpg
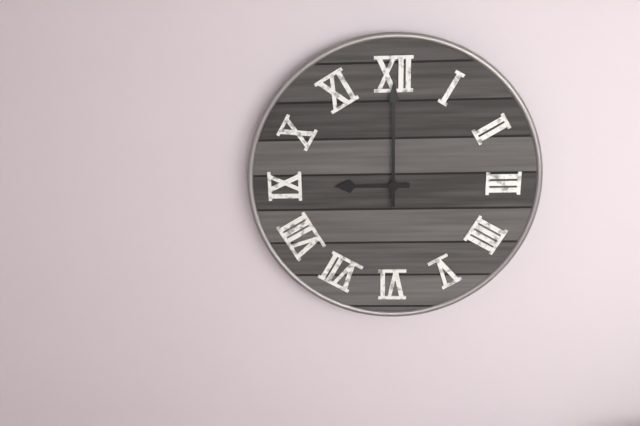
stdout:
**9:00**
